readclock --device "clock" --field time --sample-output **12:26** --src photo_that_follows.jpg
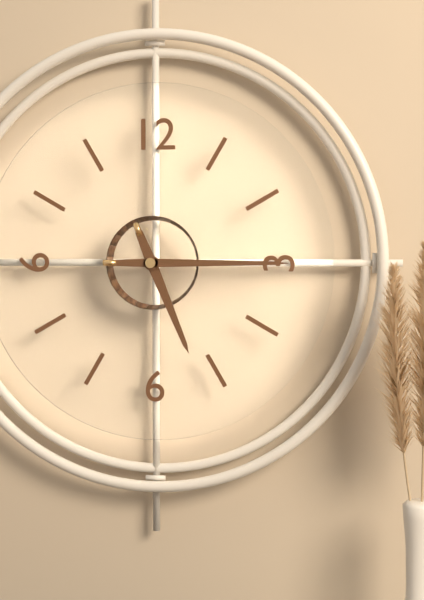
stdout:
**5:15**
